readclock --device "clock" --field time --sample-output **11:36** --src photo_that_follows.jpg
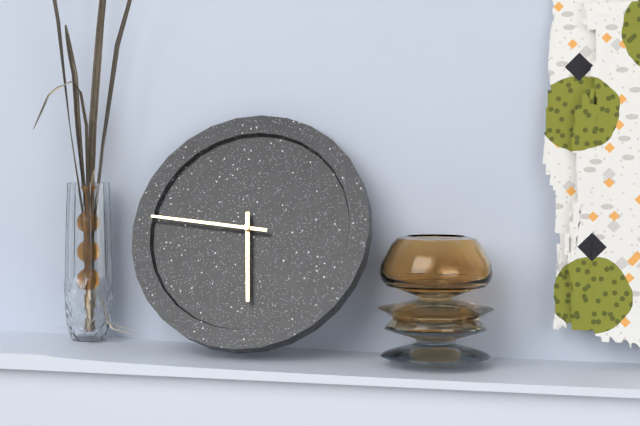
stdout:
**5:46**
